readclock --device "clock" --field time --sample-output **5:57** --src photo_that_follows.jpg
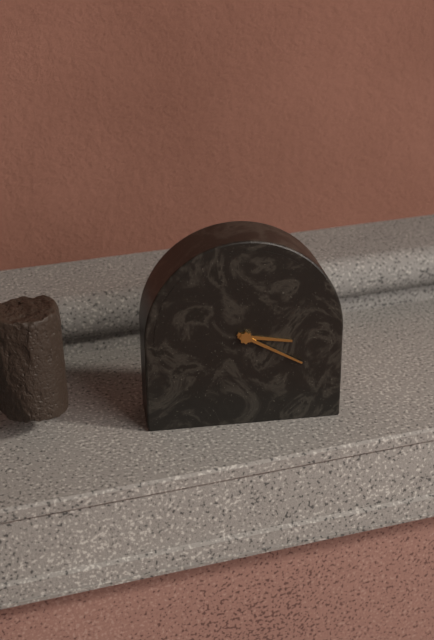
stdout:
**3:20**
